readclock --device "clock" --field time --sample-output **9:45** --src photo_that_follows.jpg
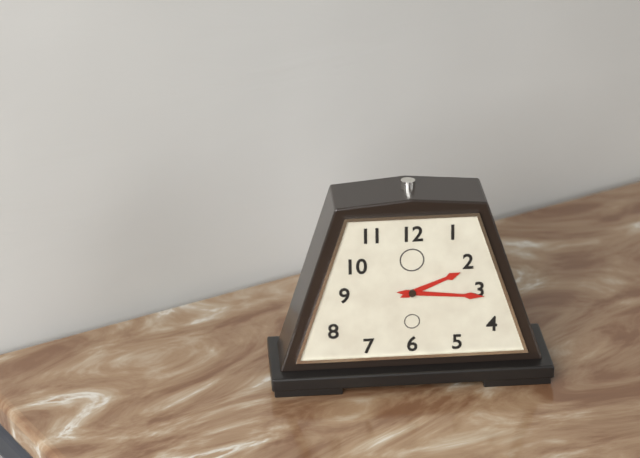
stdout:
**2:16**
